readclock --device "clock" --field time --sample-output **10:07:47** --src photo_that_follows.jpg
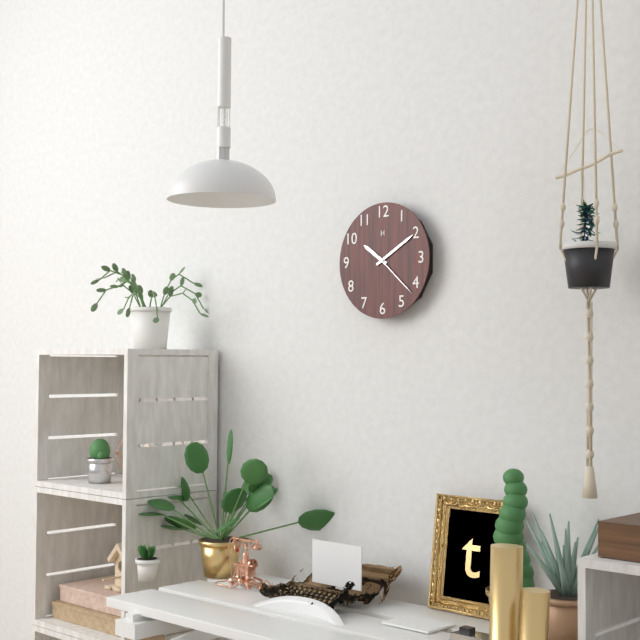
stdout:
**10:10:22**
